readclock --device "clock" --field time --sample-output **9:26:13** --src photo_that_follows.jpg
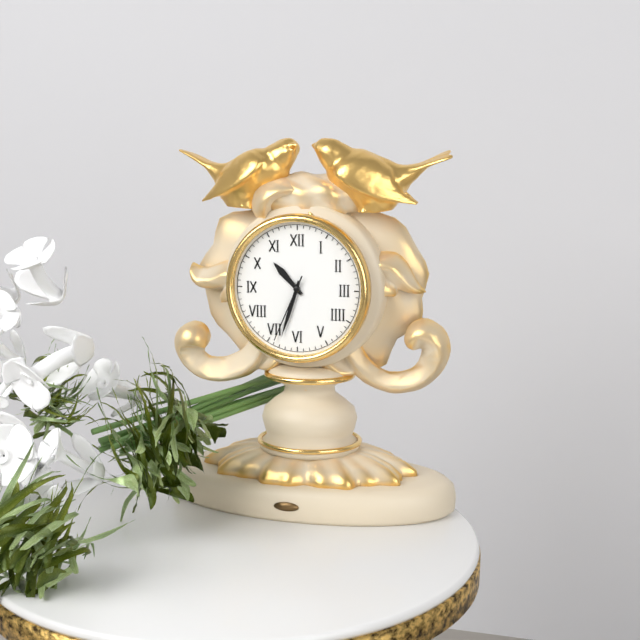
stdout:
**10:33:34**
